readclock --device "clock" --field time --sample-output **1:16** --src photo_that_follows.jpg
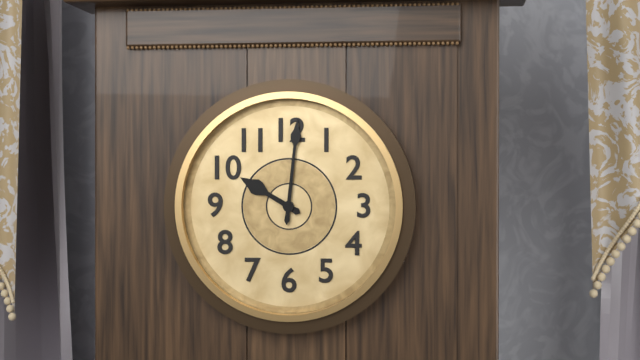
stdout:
**10:01**
